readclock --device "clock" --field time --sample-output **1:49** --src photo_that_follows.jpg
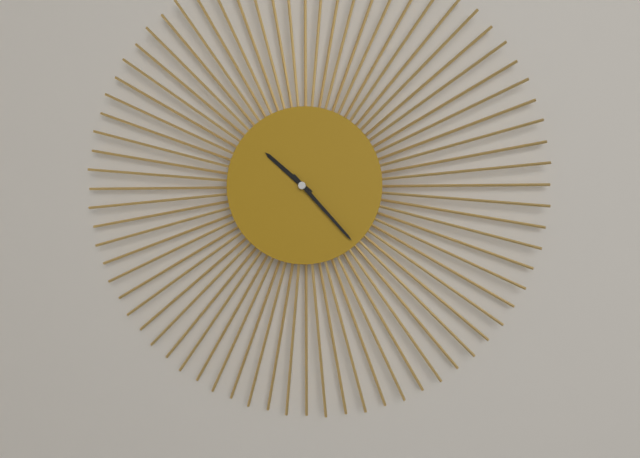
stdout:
**10:23**
